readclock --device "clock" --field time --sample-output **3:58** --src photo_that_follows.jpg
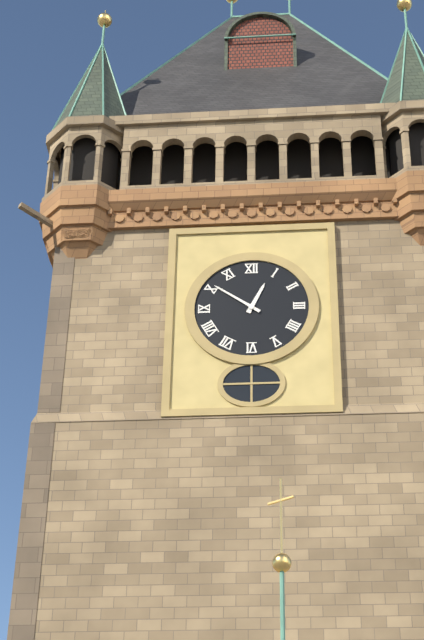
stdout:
**12:51**
